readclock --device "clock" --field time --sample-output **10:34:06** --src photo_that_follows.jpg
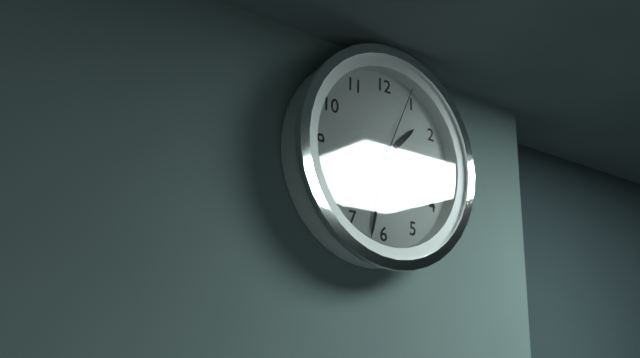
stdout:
**1:32:04**
